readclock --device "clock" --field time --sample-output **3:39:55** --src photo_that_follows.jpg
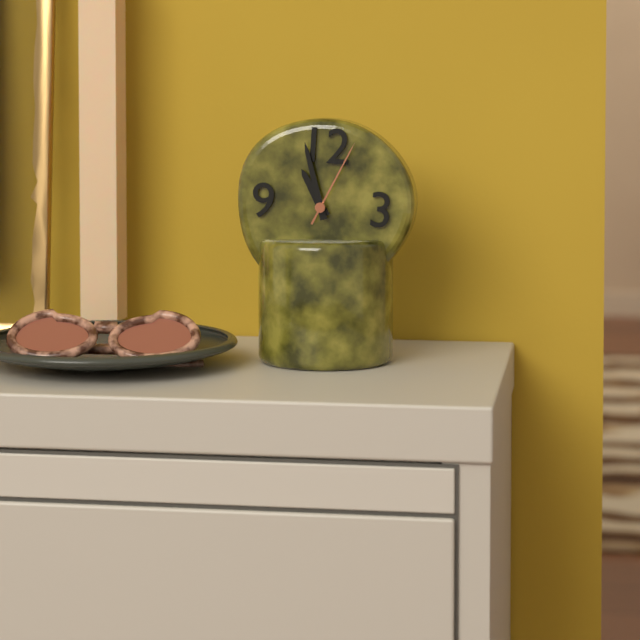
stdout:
**10:57:04**
